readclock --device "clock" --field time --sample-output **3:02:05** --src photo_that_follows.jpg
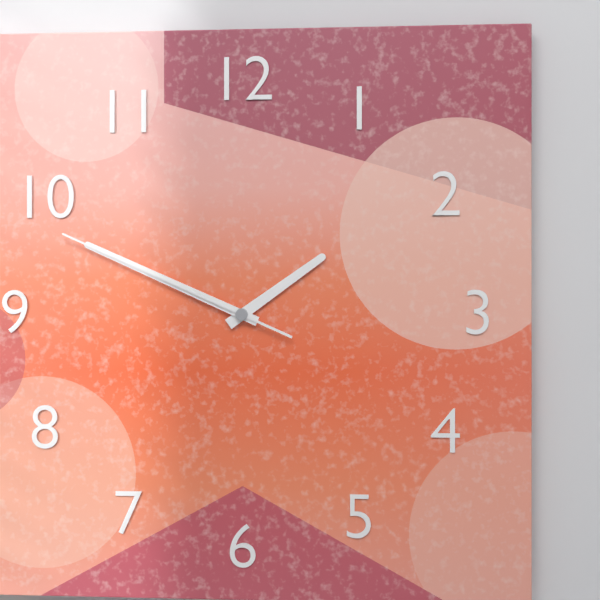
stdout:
**1:49:49**
